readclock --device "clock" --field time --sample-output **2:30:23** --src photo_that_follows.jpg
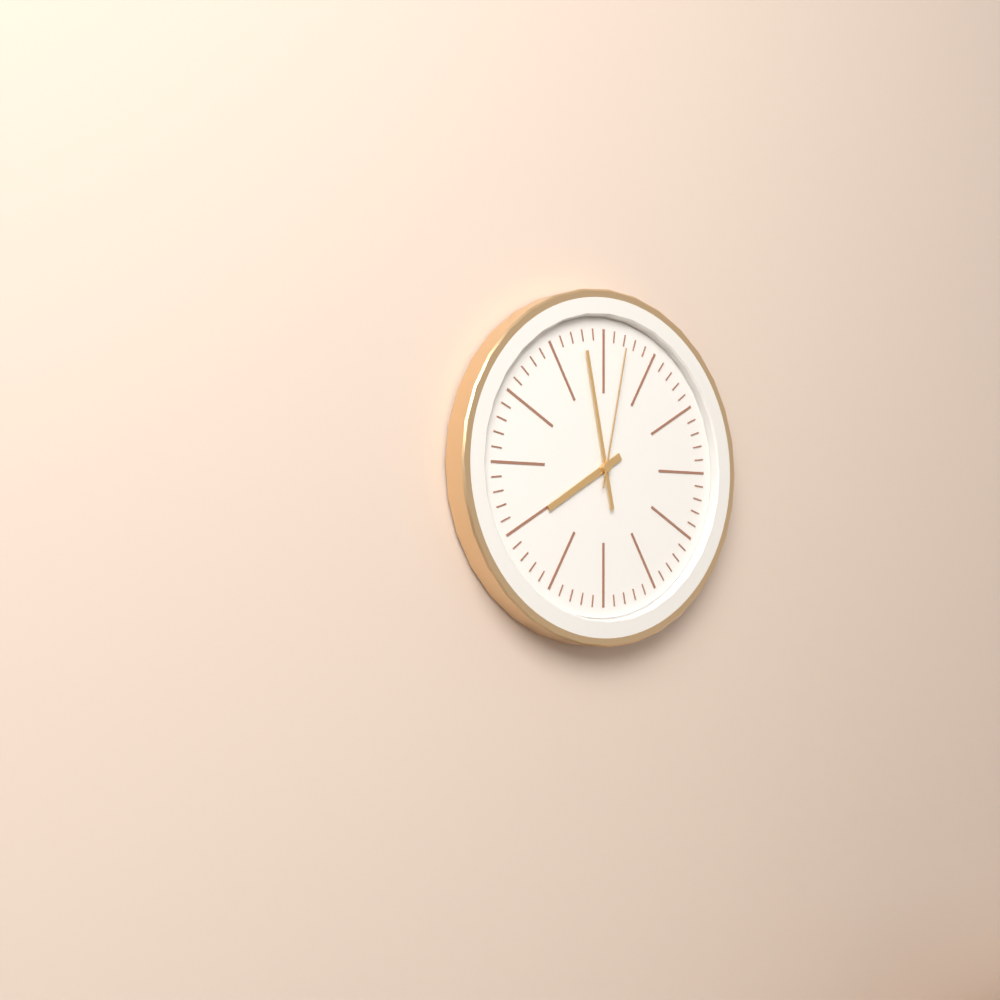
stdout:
**7:58:02**
